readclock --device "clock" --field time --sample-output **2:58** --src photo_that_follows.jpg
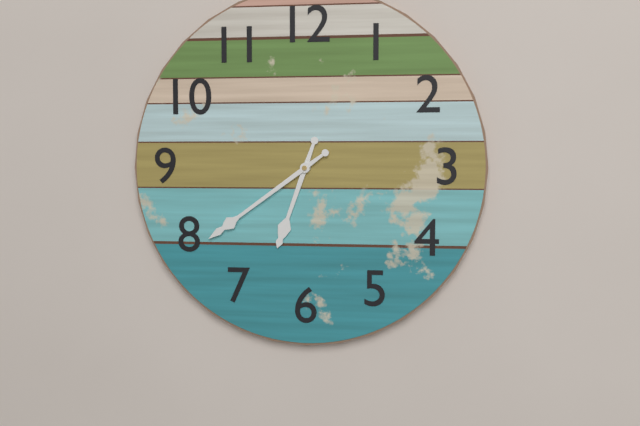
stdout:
**6:39**
